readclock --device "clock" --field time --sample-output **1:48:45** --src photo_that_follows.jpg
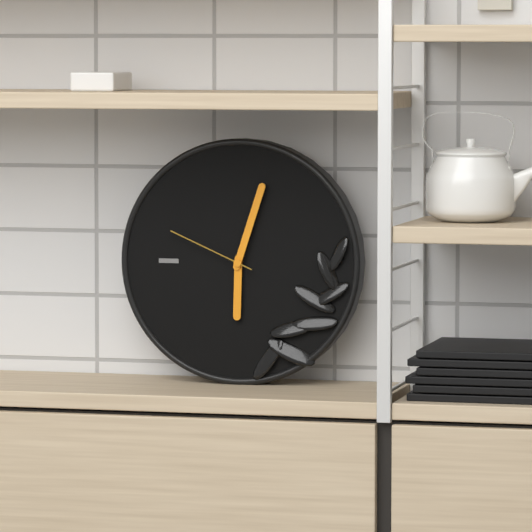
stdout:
**6:03:49**
